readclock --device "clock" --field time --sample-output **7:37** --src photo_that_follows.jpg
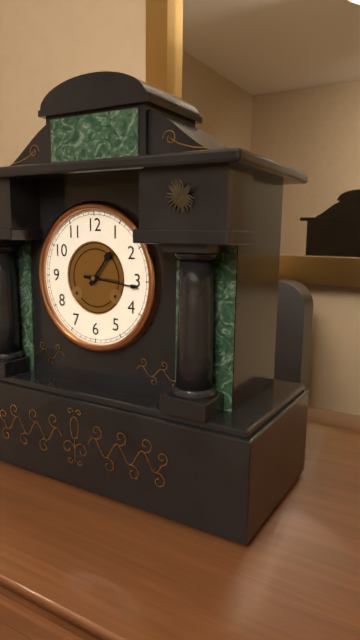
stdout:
**1:16**
